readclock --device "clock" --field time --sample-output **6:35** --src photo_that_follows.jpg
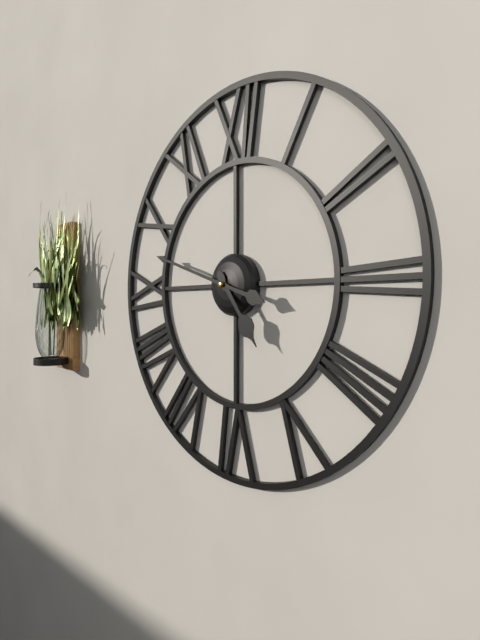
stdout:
**4:48**
